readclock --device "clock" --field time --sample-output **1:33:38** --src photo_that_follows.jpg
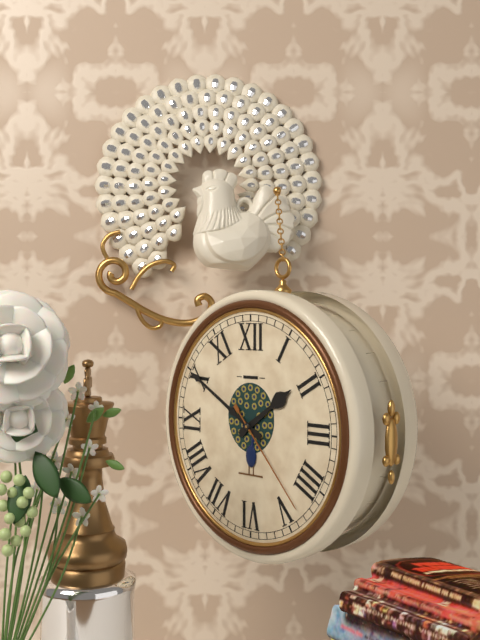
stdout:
**1:50:23**
